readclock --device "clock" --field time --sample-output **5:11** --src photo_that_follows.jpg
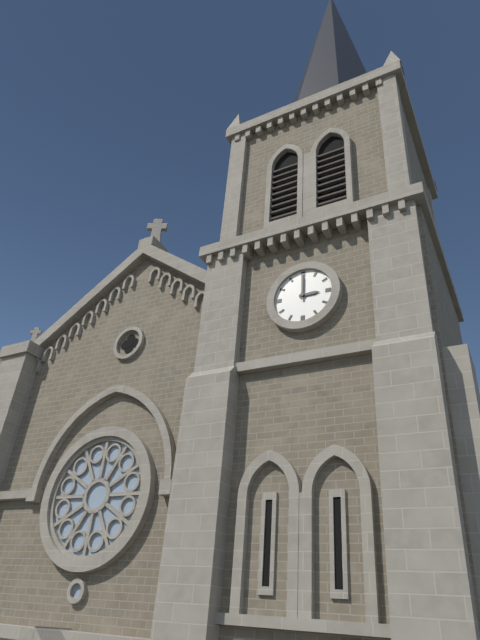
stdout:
**3:00**
